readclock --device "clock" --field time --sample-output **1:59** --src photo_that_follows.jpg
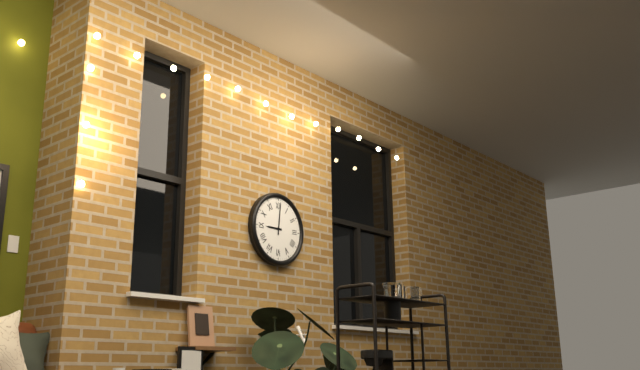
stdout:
**9:01**
